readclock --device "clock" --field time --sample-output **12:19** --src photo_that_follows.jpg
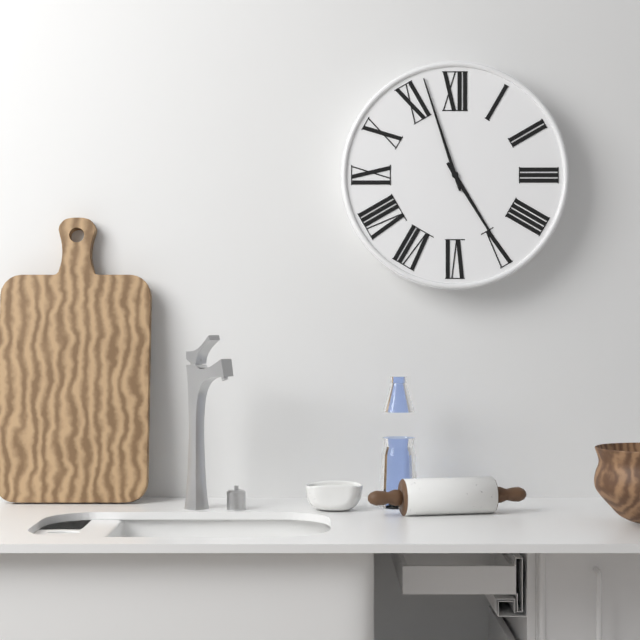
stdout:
**4:57**
